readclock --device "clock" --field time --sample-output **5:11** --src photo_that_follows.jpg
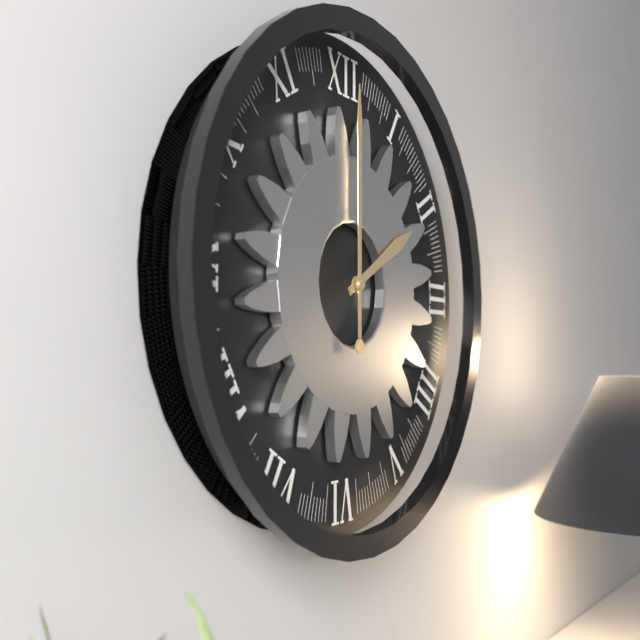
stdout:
**2:00**
